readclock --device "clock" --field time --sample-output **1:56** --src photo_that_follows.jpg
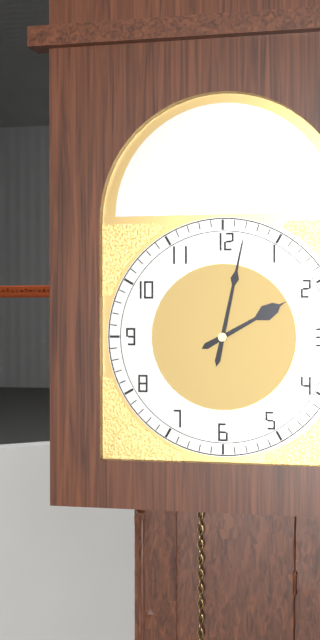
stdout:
**2:02**
